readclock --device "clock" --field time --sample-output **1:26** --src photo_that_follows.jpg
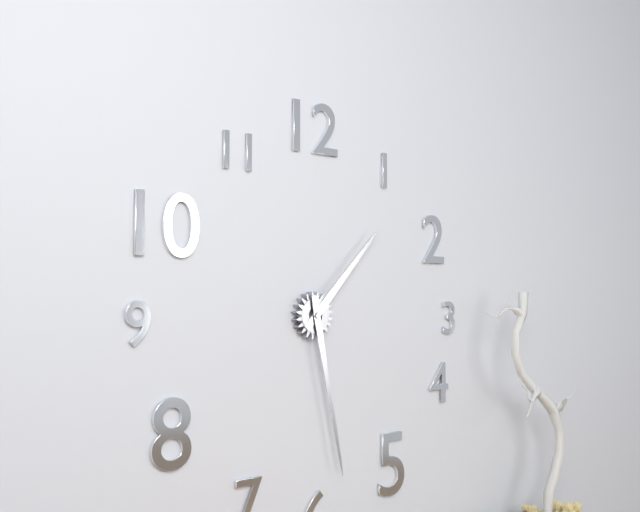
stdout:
**1:28**
